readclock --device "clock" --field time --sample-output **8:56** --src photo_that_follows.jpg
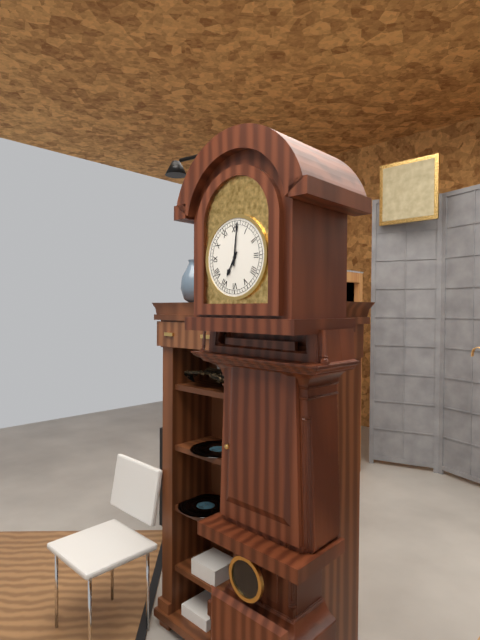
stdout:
**7:01**
